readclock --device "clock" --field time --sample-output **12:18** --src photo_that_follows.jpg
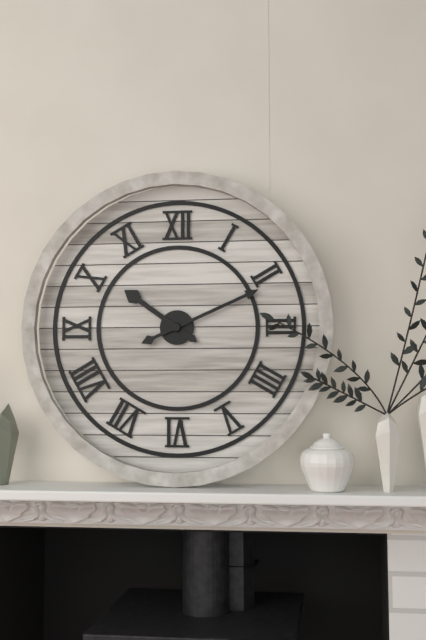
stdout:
**10:11**
